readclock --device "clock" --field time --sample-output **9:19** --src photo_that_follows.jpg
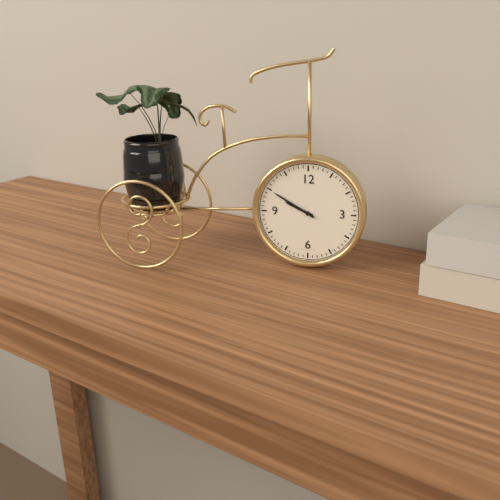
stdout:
**9:50**
